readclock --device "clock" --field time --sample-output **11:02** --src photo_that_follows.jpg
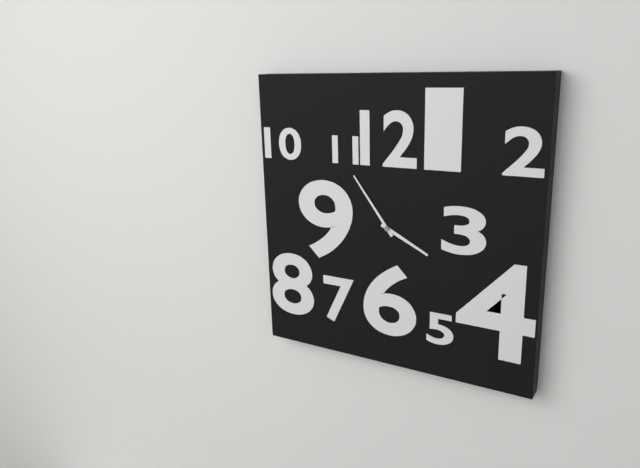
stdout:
**3:54**
